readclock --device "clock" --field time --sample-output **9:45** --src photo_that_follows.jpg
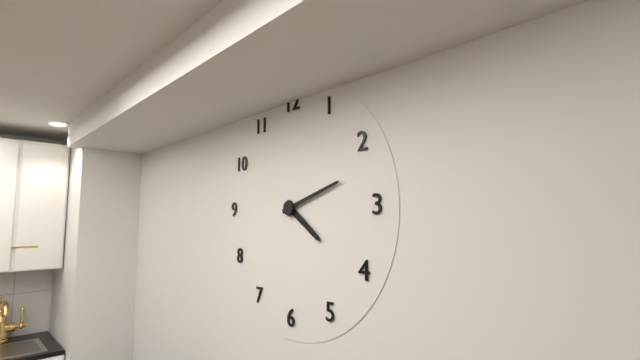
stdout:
**4:12**
